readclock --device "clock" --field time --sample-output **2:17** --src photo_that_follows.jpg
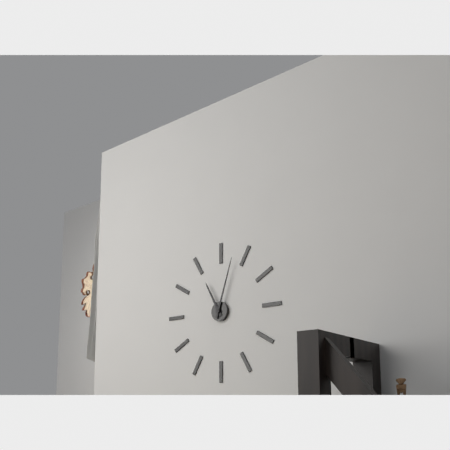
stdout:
**11:03**
